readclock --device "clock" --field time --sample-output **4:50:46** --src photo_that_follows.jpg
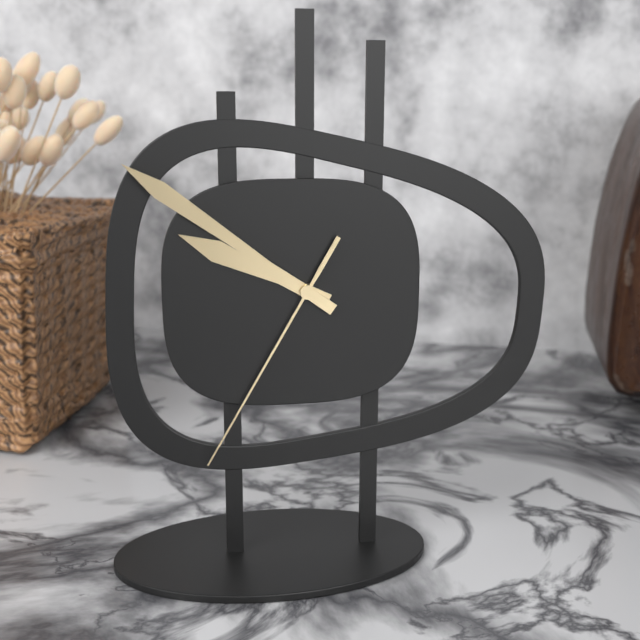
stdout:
**9:51:35**
